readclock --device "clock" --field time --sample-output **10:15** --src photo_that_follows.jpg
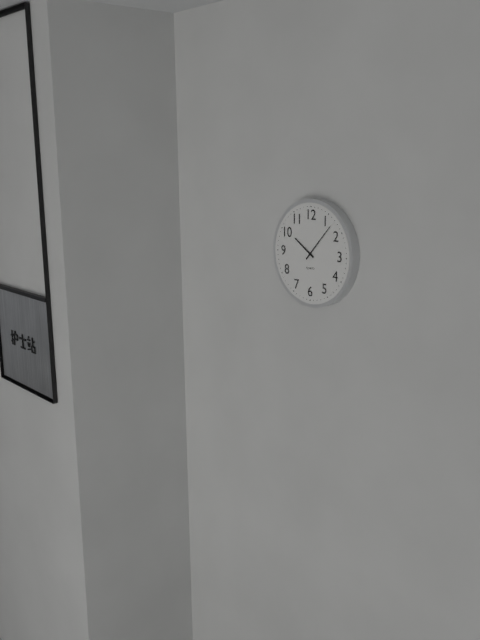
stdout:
**10:07**
